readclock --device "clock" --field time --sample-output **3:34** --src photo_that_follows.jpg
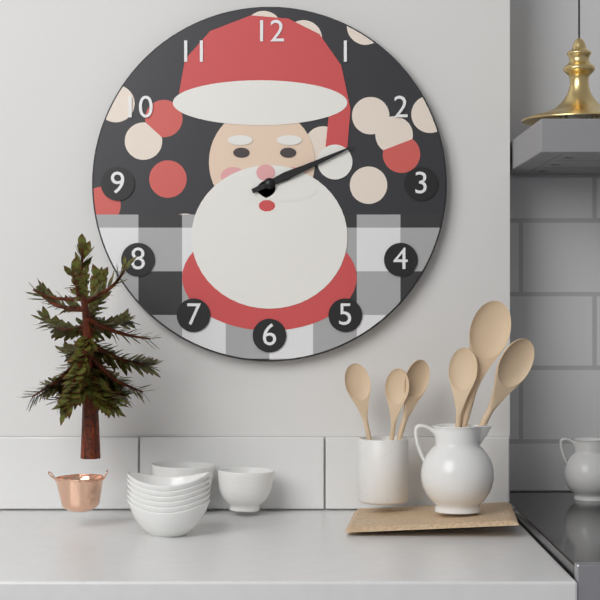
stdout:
**2:11**
